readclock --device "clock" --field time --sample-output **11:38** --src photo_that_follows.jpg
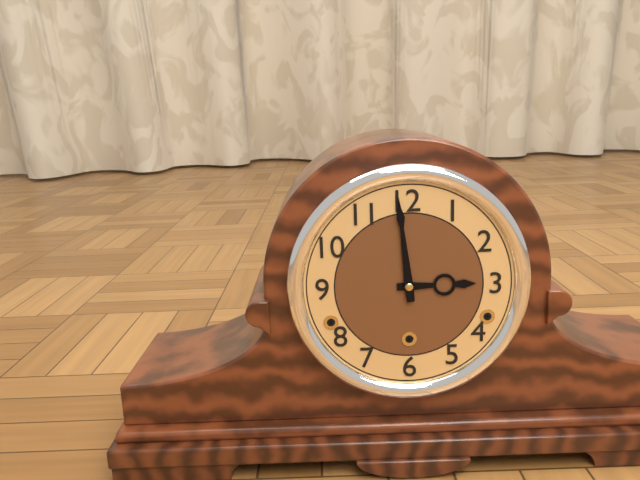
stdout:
**2:59**
